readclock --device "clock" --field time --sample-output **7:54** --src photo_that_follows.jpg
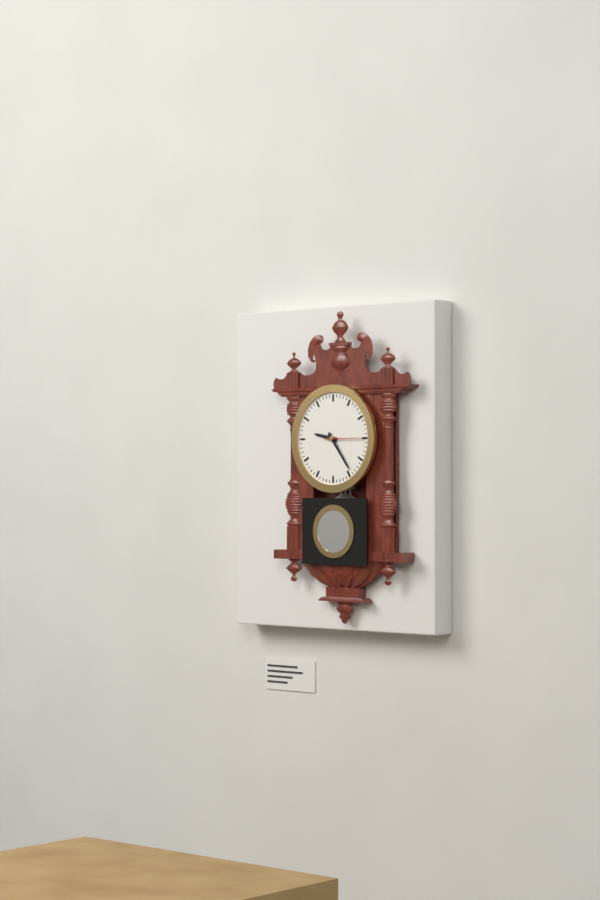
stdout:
**9:24**
